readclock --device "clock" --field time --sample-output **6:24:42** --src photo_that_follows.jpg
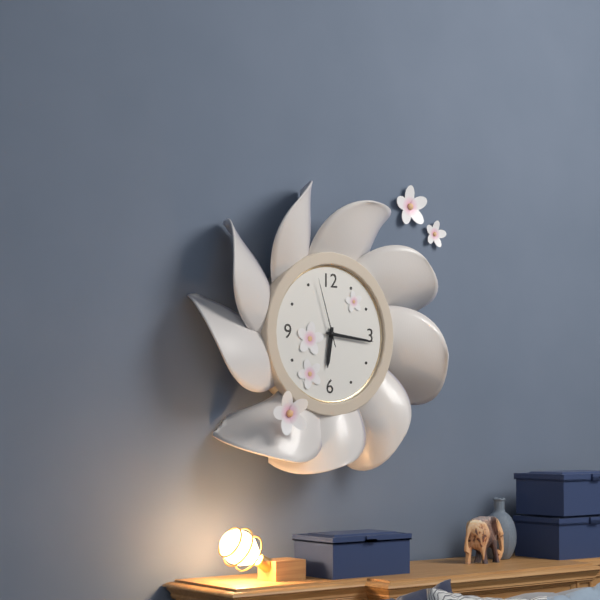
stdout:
**6:16:57**
